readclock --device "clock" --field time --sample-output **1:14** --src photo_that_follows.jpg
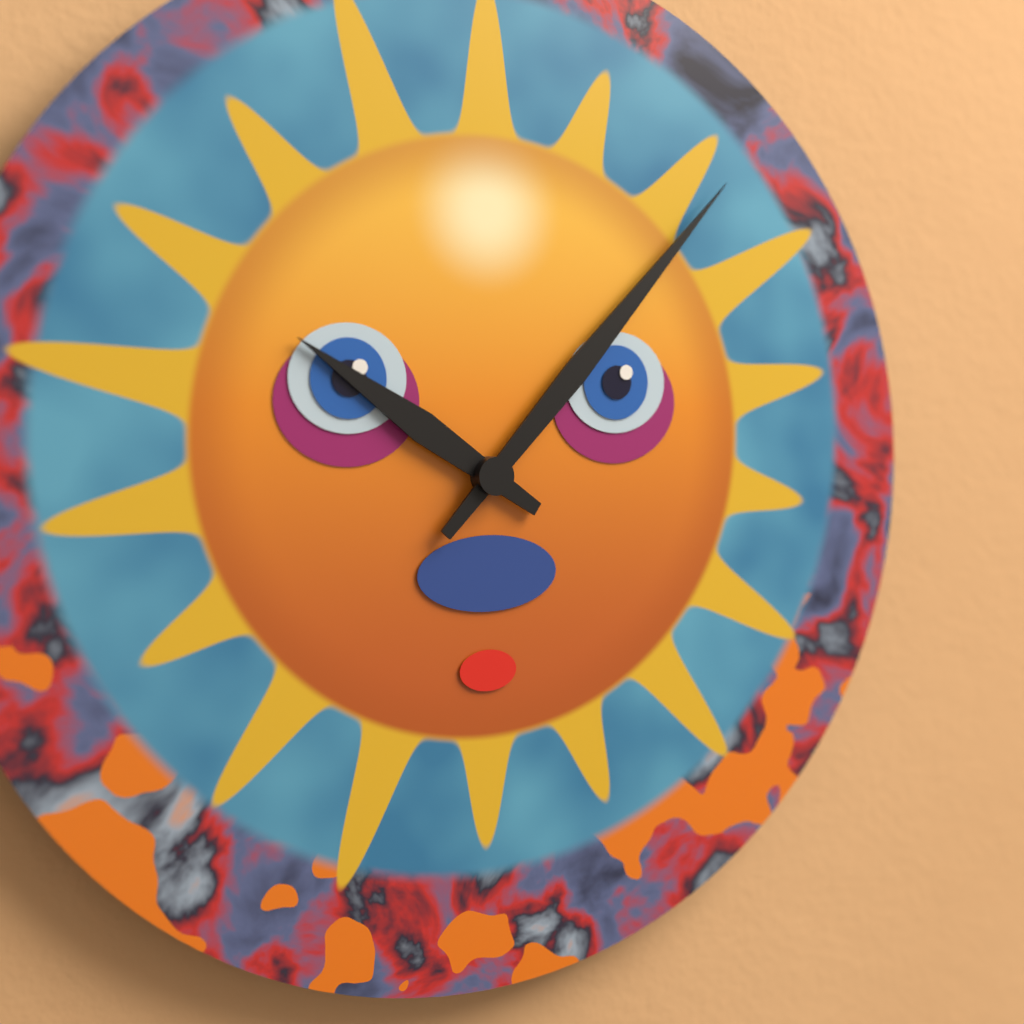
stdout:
**10:07**
